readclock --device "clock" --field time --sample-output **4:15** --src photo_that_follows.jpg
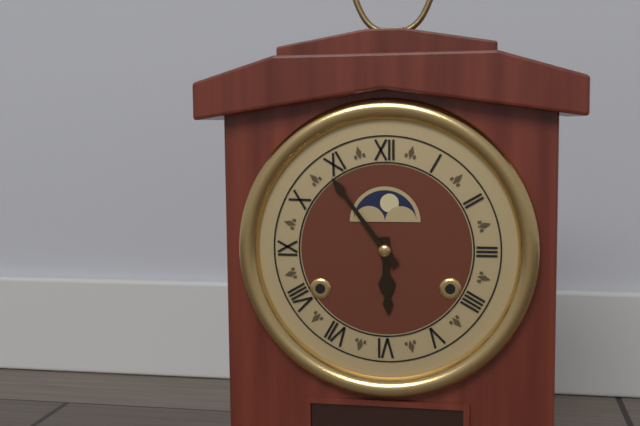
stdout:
**5:54**
